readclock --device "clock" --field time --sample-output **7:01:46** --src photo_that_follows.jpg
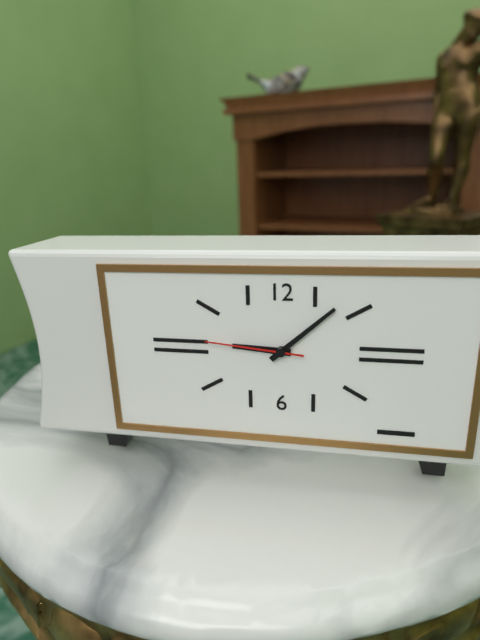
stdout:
**9:08:46**
